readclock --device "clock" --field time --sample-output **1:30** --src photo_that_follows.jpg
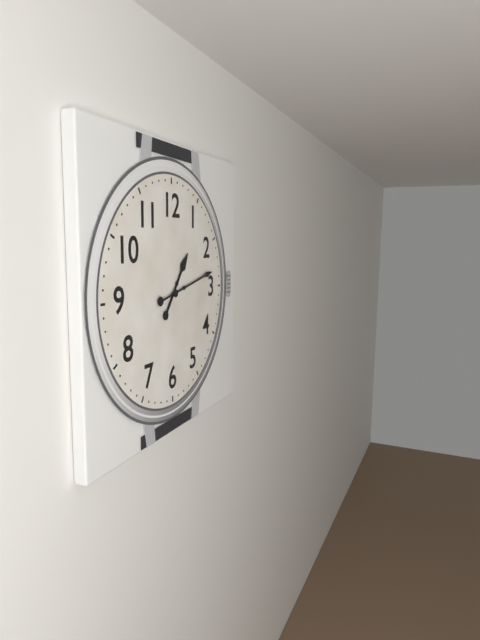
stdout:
**1:13**
